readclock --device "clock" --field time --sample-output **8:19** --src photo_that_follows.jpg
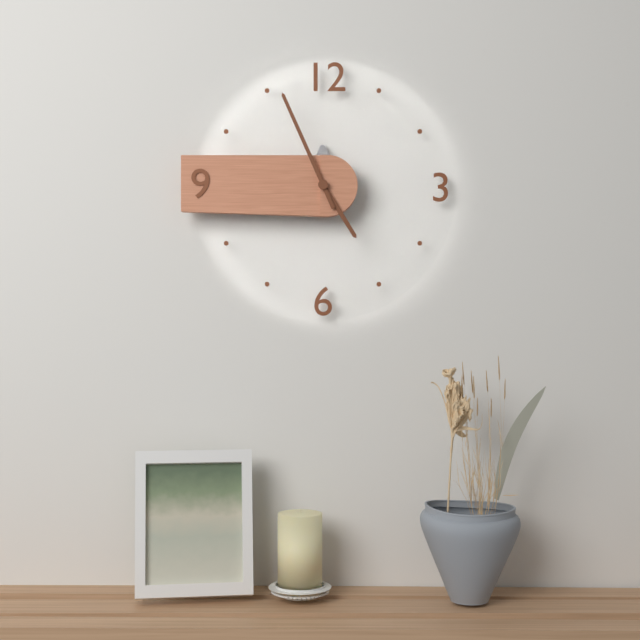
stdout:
**4:56**
